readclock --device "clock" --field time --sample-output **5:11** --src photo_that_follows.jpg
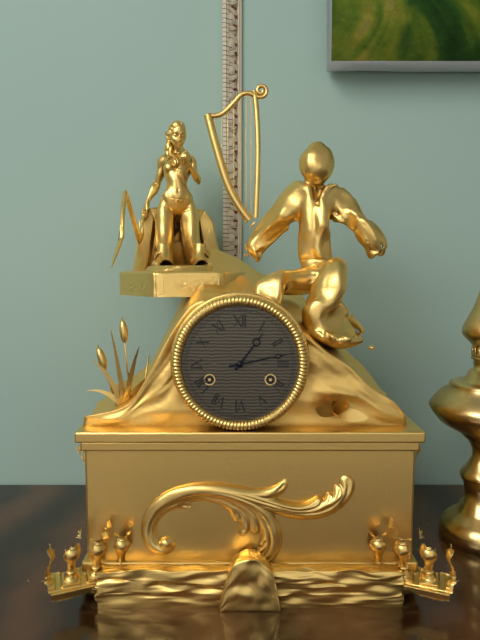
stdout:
**1:13**
